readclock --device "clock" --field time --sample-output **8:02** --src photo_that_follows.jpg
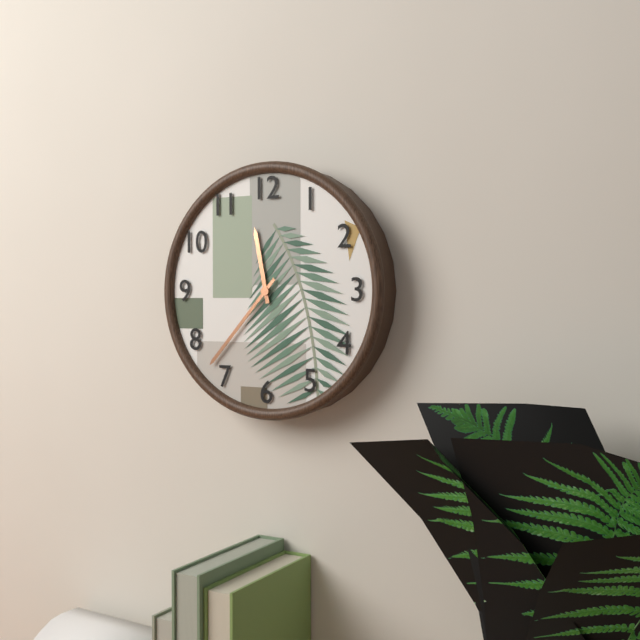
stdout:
**11:37**
